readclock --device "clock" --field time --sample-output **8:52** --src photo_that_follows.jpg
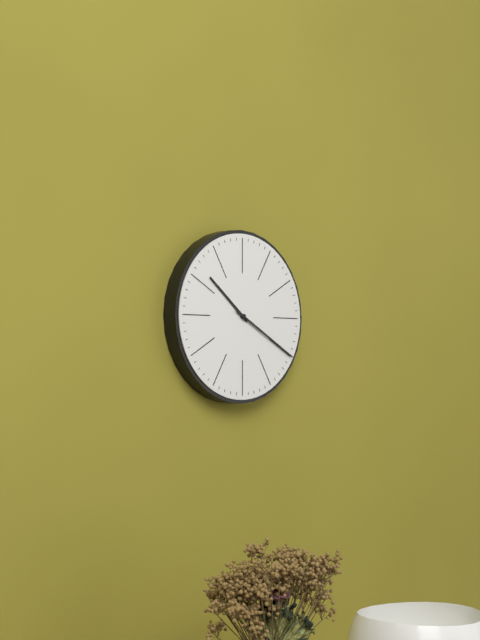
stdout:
**10:20**
